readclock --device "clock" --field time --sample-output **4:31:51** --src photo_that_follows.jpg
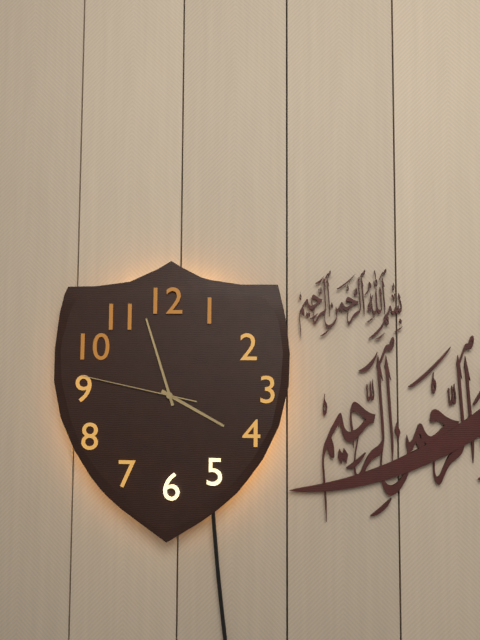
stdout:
**3:57:47**
